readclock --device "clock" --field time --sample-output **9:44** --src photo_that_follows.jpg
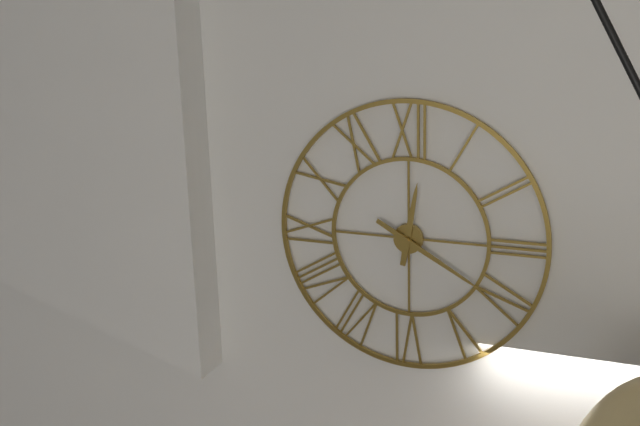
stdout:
**12:20**
